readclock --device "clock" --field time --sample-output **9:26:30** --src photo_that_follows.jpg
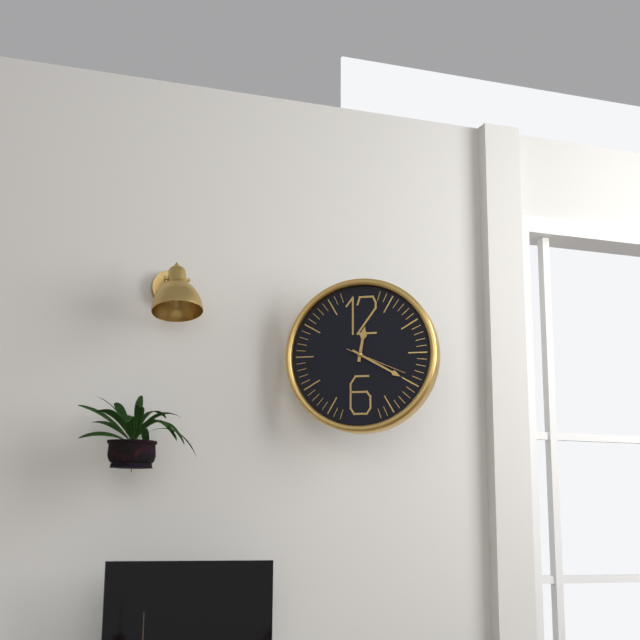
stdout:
**12:20:19**
